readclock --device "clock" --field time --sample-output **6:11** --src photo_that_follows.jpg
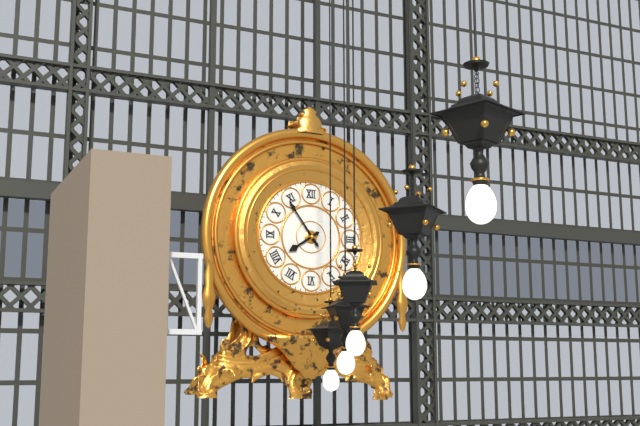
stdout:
**7:54**
